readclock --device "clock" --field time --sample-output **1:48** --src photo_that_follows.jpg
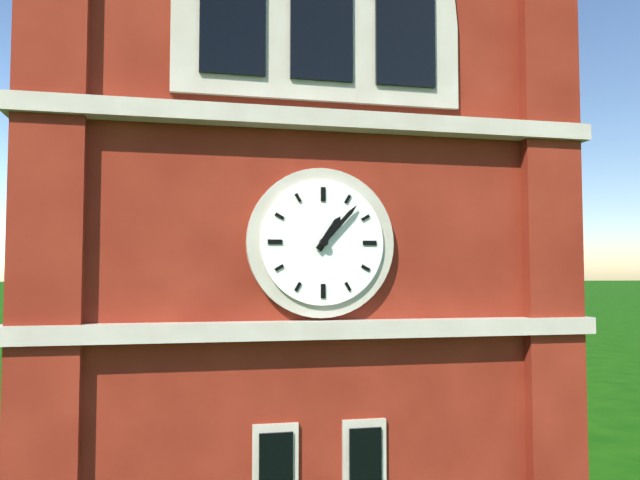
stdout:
**1:07**
